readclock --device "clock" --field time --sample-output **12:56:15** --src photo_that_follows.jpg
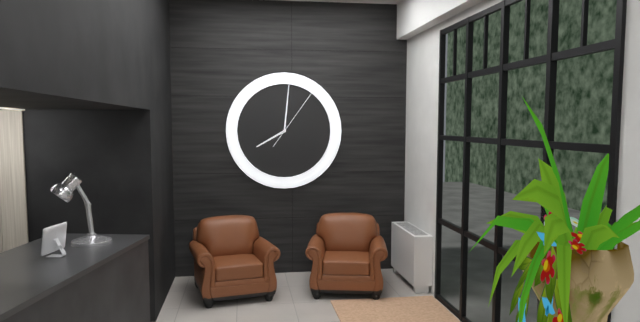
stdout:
**8:01:06**
